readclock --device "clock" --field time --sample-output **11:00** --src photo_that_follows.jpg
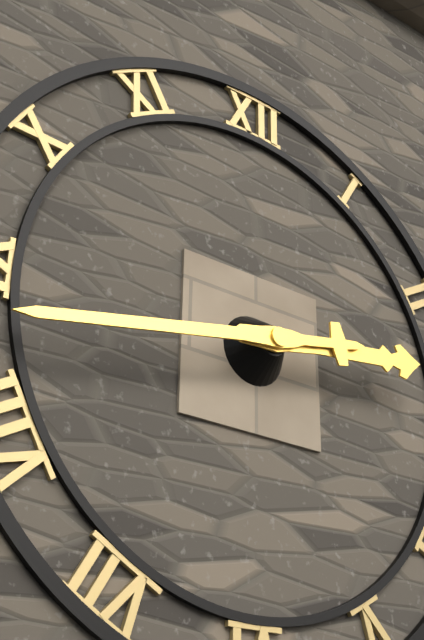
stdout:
**2:43**
